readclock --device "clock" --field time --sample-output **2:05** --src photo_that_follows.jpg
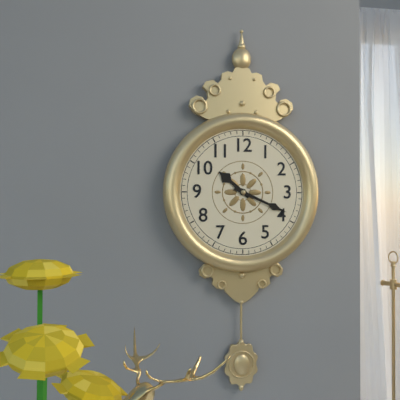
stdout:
**10:19**
